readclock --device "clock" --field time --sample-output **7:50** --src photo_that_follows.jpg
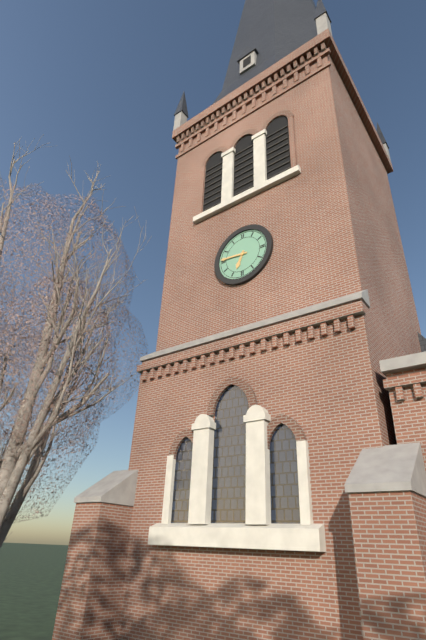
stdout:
**6:46**
